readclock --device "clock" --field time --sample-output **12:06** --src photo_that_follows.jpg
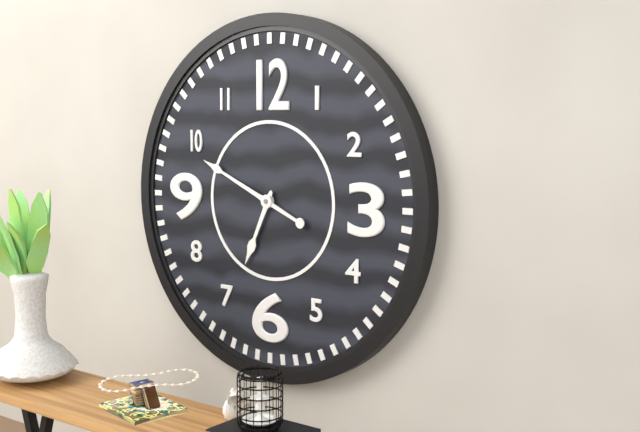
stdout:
**6:49**
